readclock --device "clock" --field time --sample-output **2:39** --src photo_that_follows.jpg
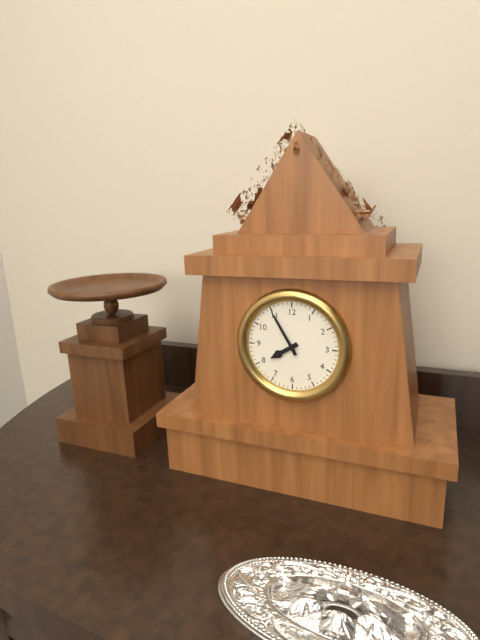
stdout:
**7:55**
